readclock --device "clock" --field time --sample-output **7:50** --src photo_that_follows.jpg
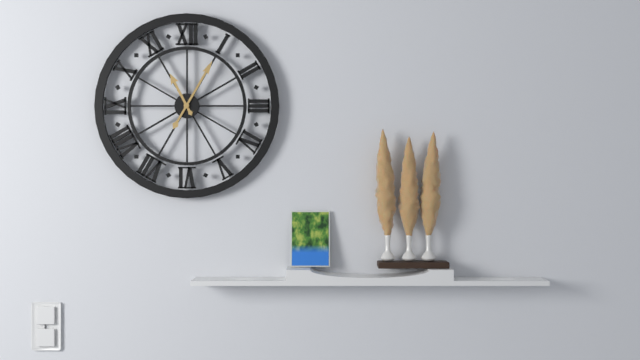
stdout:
**11:05**
